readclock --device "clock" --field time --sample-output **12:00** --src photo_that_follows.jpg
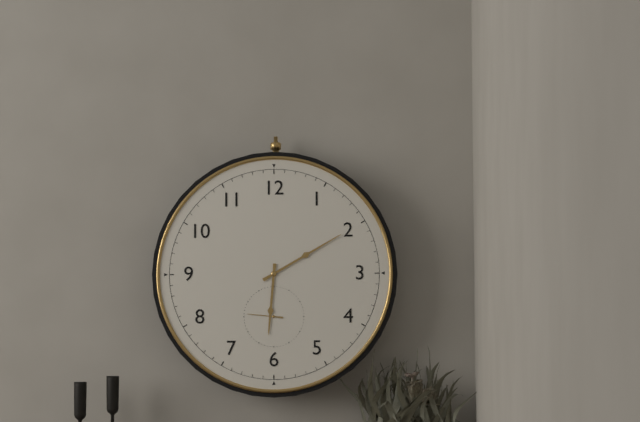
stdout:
**6:10**
